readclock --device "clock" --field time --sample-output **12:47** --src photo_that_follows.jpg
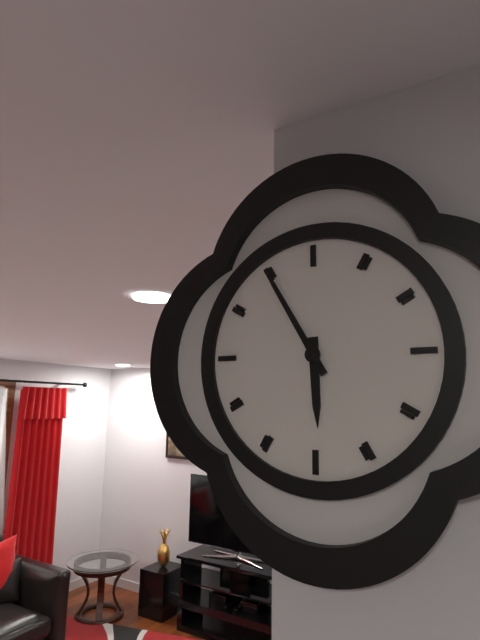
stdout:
**5:55**
